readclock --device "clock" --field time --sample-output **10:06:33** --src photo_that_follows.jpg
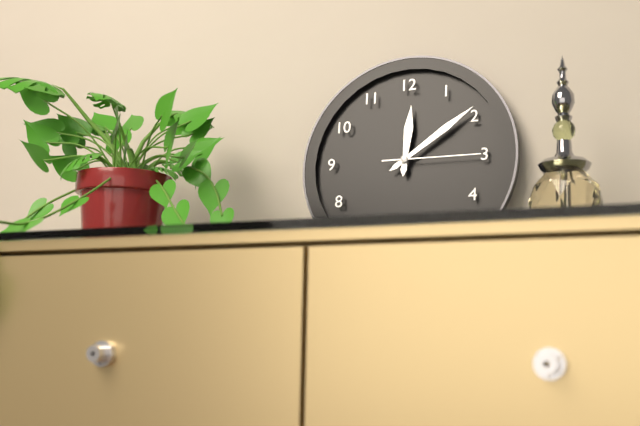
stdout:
**12:09:15**
